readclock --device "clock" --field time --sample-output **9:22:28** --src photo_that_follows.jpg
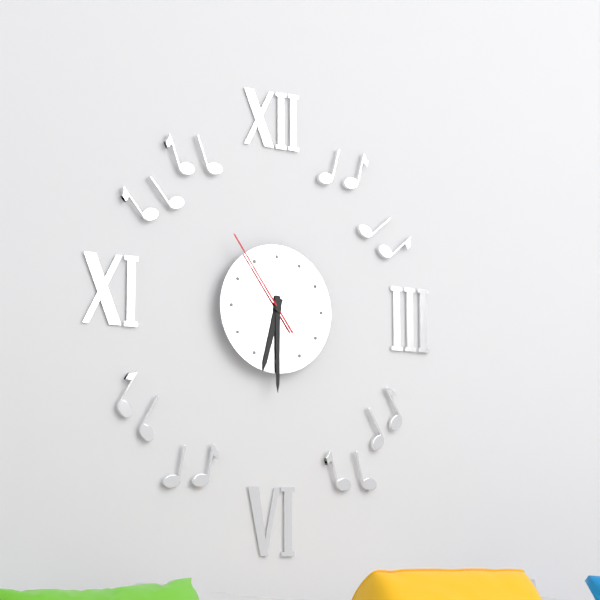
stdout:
**6:30:54**
